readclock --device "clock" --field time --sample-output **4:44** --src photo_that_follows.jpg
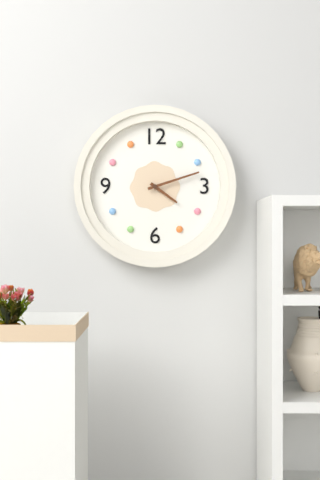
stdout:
**4:12**
